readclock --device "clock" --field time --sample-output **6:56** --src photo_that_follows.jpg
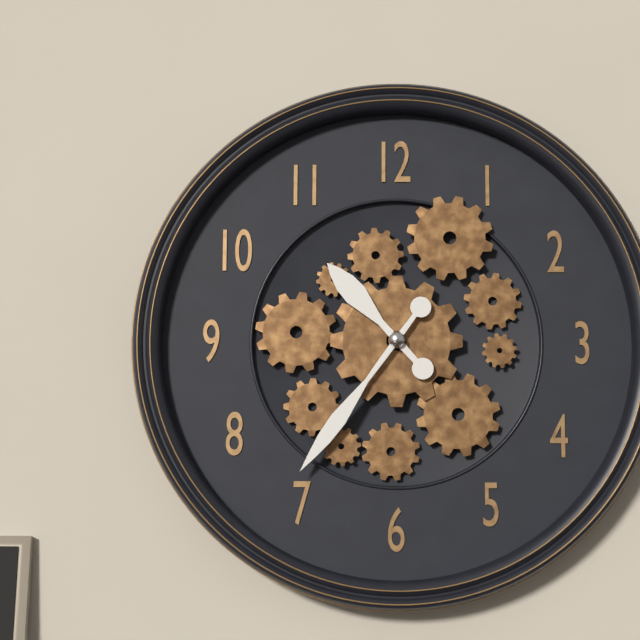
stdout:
**10:36**
